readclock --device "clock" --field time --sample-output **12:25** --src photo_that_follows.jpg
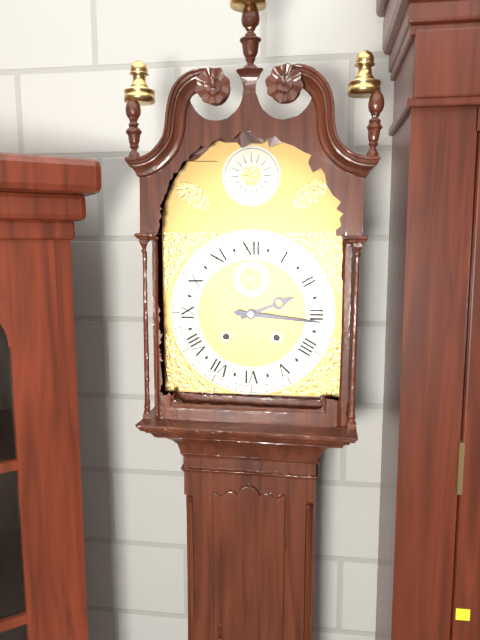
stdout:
**2:16**
